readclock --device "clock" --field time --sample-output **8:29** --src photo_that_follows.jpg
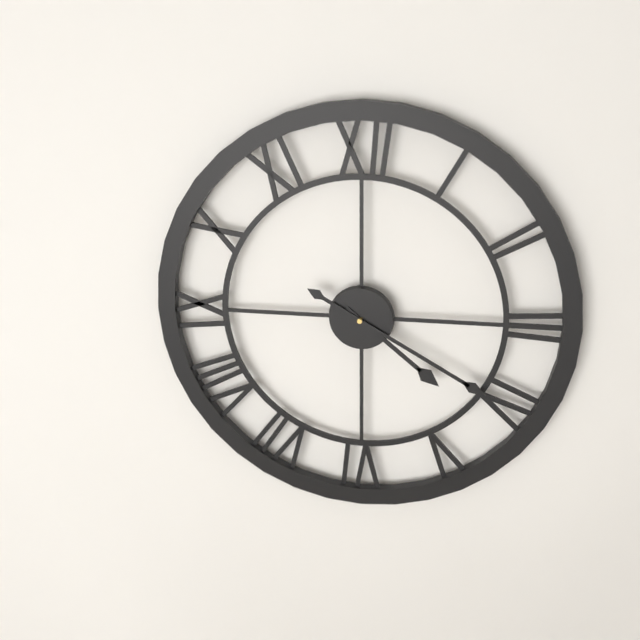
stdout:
**4:20**
